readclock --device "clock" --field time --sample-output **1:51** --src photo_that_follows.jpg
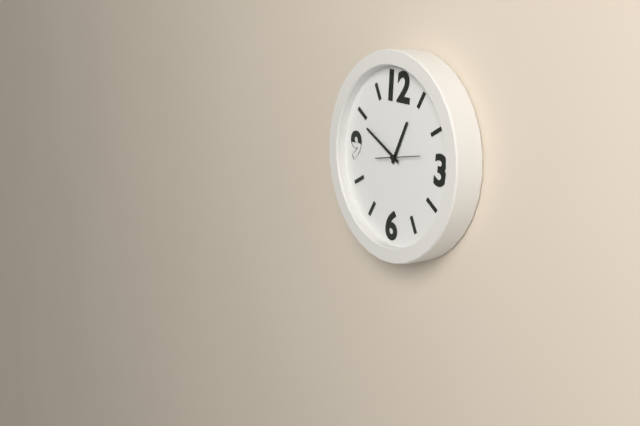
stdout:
**12:49**
